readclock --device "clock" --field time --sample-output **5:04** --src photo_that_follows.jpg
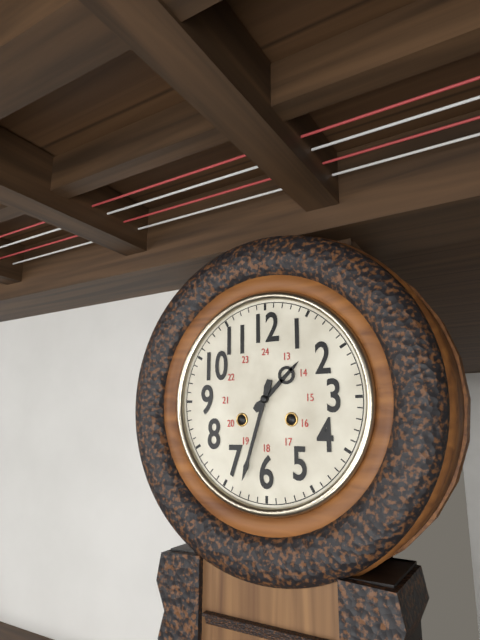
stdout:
**1:33**
